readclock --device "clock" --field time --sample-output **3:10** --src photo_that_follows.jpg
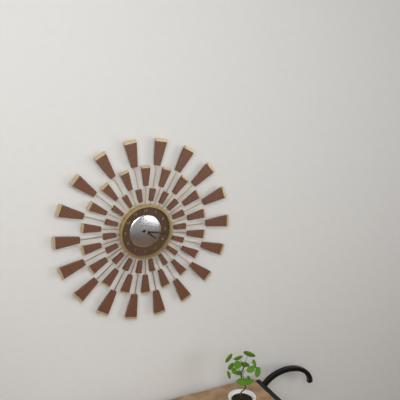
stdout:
**4:17**
